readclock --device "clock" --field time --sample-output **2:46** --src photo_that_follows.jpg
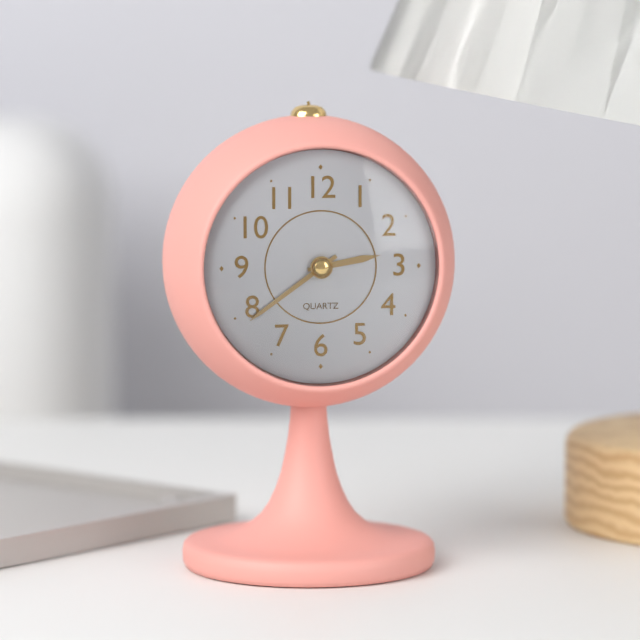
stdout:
**2:39**
